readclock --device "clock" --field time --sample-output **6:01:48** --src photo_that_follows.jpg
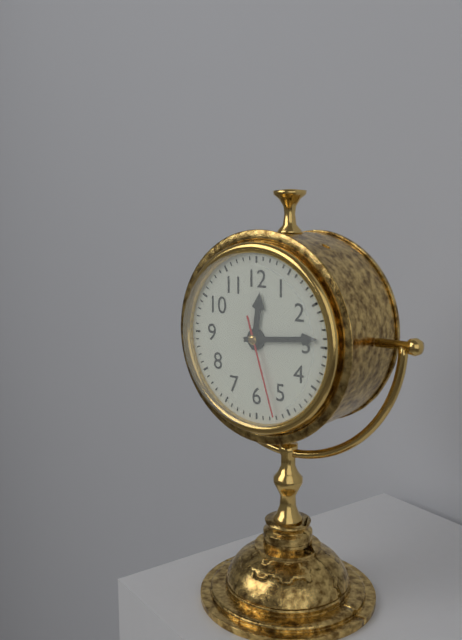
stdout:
**12:14:27**
